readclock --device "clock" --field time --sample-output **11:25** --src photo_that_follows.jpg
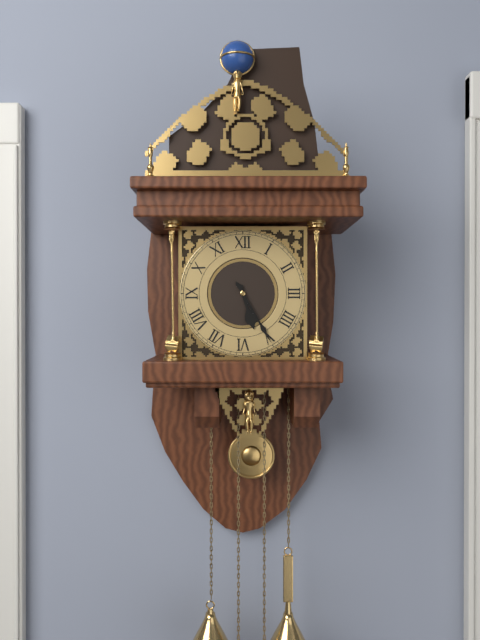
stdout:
**5:25**
